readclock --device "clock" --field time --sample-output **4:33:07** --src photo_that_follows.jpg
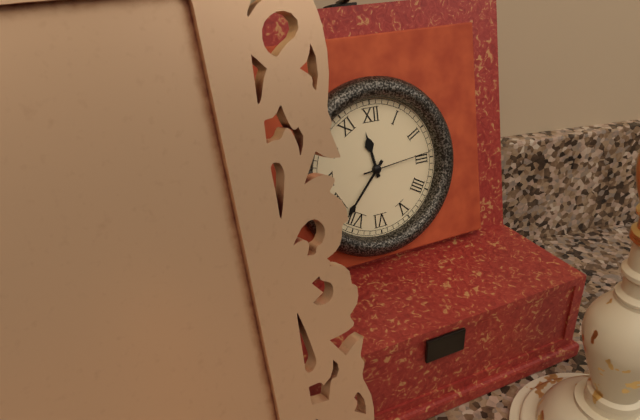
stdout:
**11:37:14**
